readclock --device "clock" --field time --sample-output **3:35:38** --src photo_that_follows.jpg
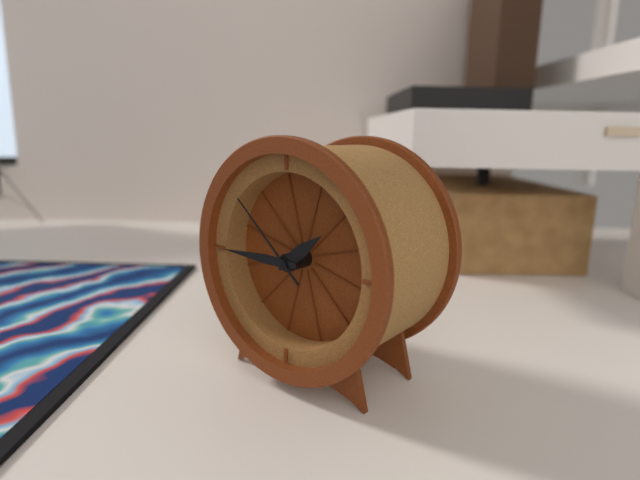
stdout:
**1:45:52**
